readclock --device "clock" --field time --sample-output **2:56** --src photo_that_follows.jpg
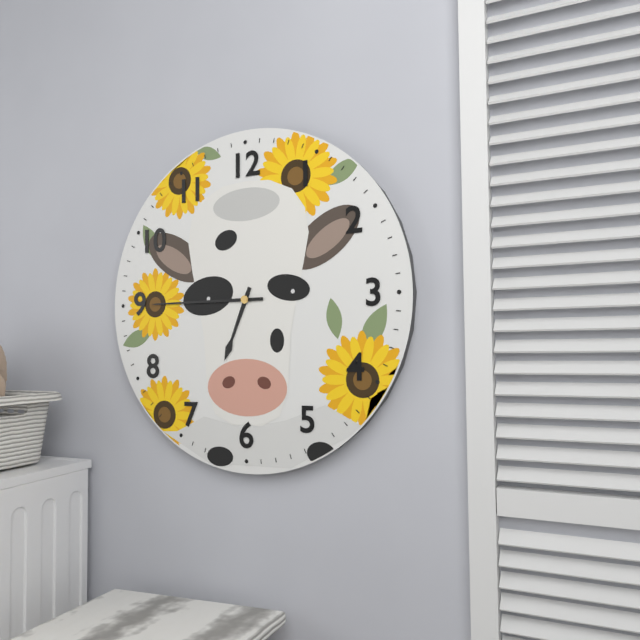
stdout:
**6:45**
